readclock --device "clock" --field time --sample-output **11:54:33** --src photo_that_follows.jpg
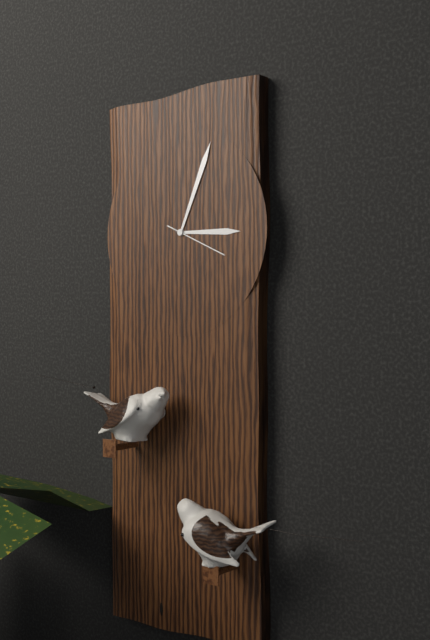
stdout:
**3:04:19**
